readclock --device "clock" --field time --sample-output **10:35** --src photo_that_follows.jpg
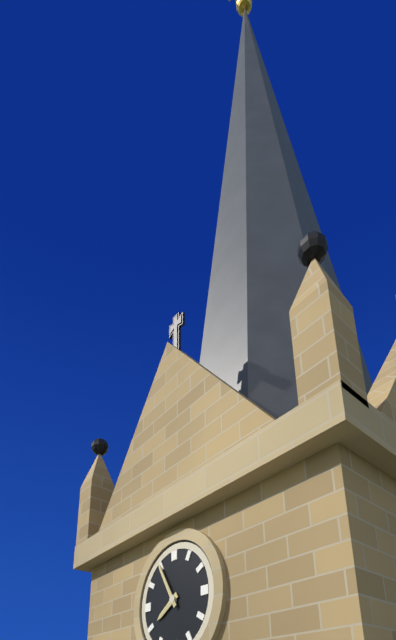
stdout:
**7:55**
